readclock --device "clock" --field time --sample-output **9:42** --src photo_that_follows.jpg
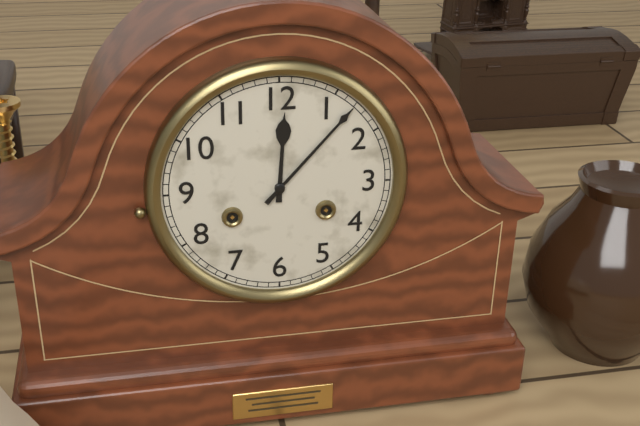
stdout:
**12:07**
